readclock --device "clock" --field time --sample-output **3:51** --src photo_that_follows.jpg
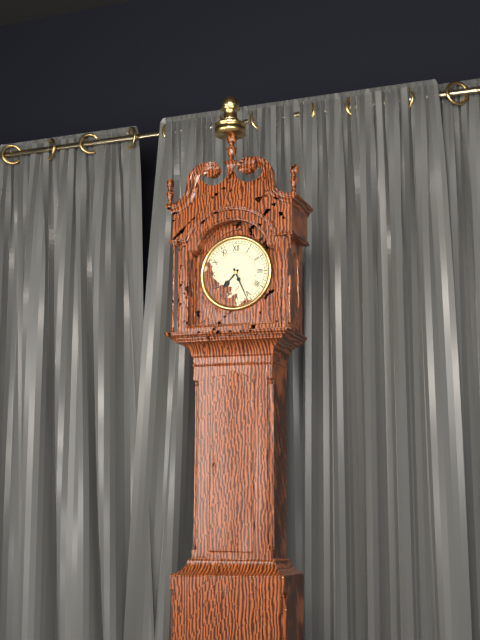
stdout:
**7:26**
